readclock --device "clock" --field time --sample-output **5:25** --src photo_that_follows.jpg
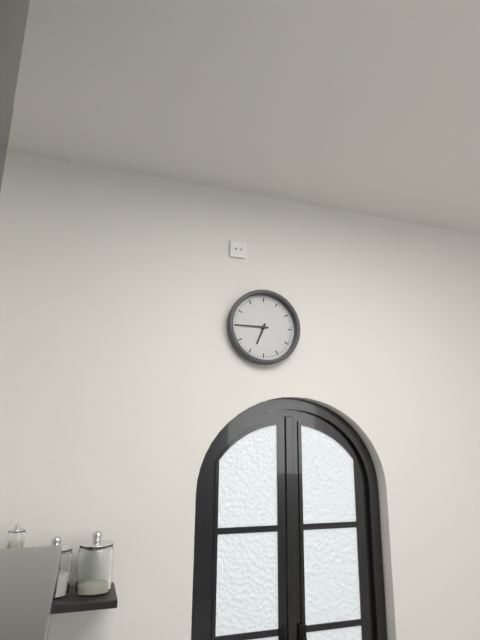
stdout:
**6:45**
